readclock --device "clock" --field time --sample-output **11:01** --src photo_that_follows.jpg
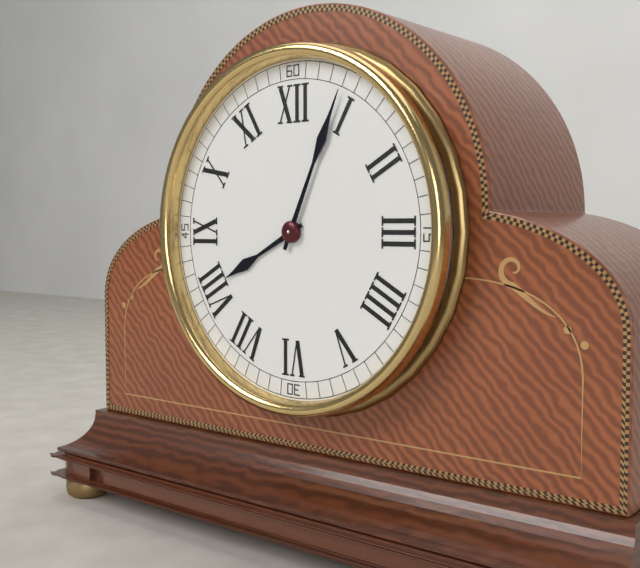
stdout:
**8:04**
